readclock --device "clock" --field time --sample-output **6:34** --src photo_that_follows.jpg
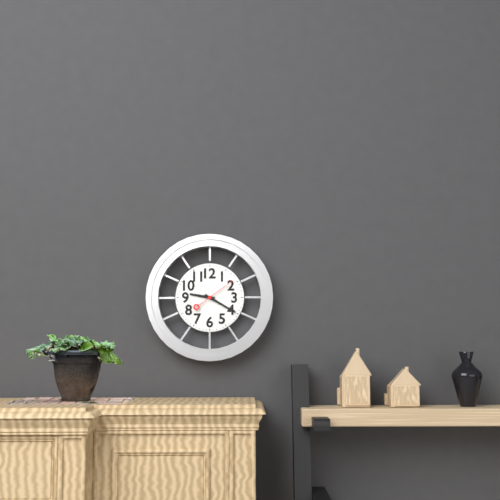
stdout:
**9:20**
